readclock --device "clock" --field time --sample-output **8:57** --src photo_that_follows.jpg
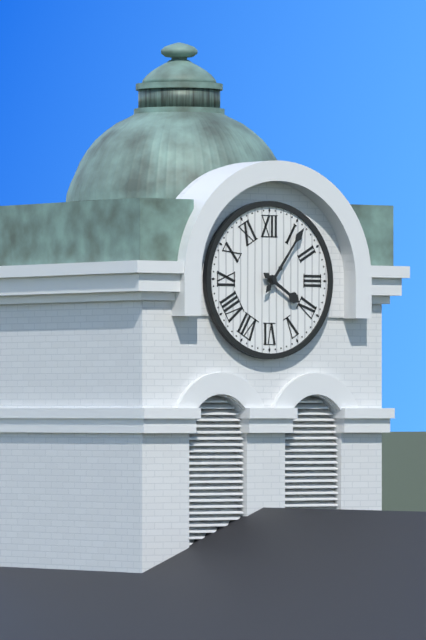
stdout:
**4:06**
